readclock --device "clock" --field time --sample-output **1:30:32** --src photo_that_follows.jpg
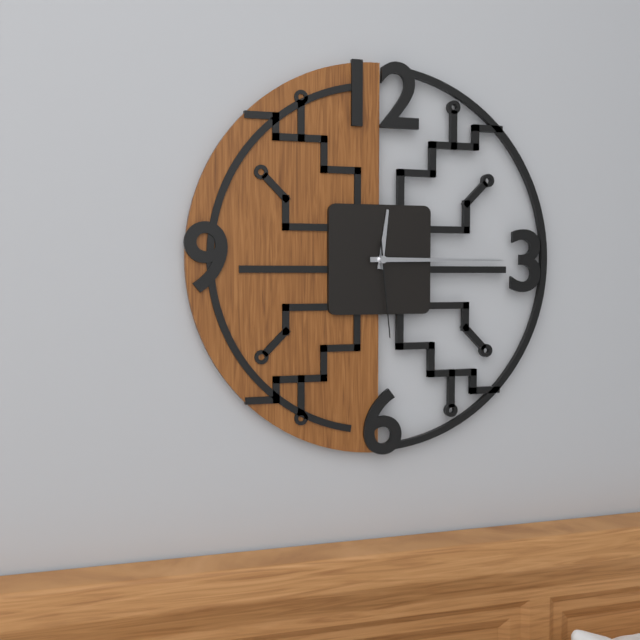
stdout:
**12:15:29**
